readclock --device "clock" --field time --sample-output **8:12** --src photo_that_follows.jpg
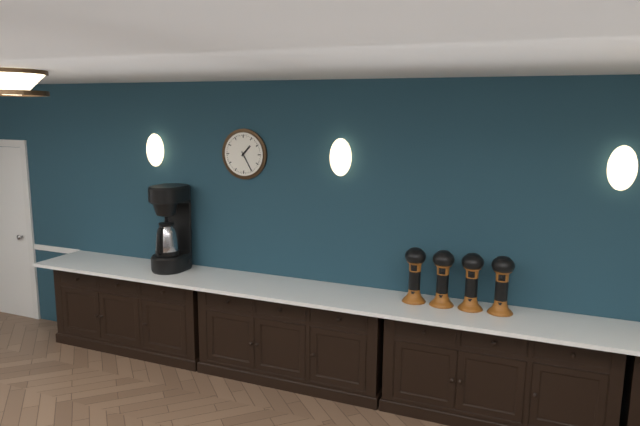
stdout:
**1:25**
